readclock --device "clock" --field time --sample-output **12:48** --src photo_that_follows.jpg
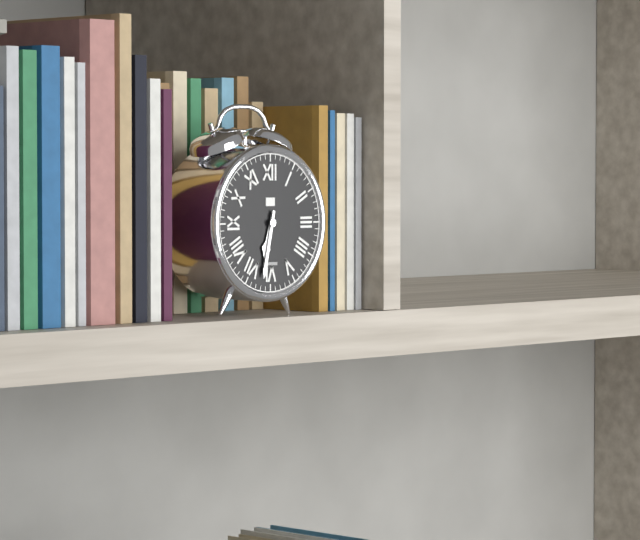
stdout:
**6:32**
